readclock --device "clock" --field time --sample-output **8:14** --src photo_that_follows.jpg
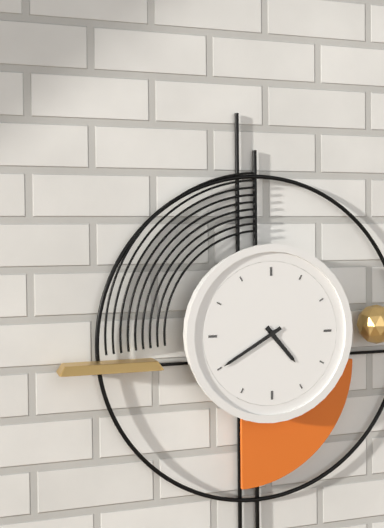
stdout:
**4:40**
